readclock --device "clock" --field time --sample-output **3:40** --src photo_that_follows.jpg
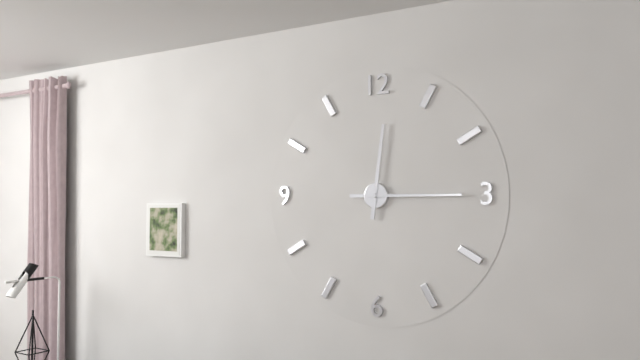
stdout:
**12:15**
